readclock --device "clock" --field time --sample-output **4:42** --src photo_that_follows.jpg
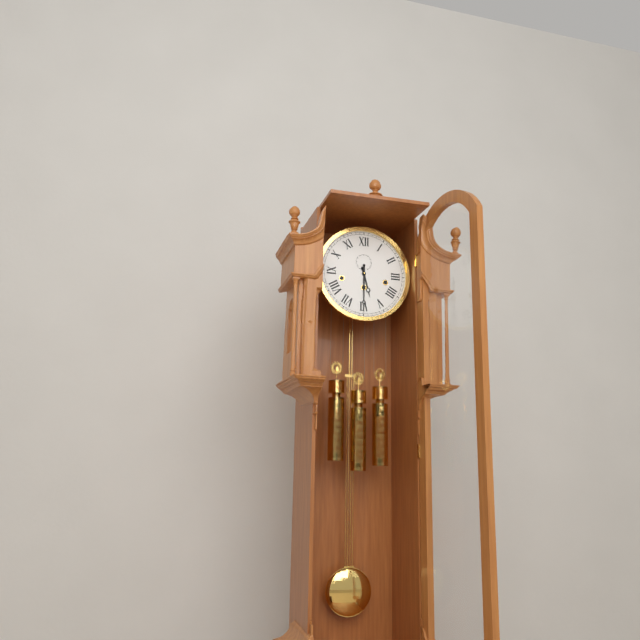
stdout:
**5:30**
